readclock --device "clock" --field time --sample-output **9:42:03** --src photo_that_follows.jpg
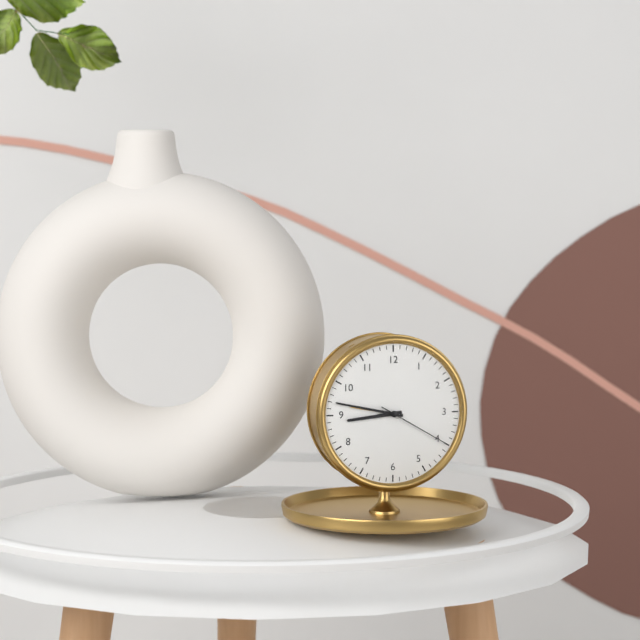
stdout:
**8:47:20**
